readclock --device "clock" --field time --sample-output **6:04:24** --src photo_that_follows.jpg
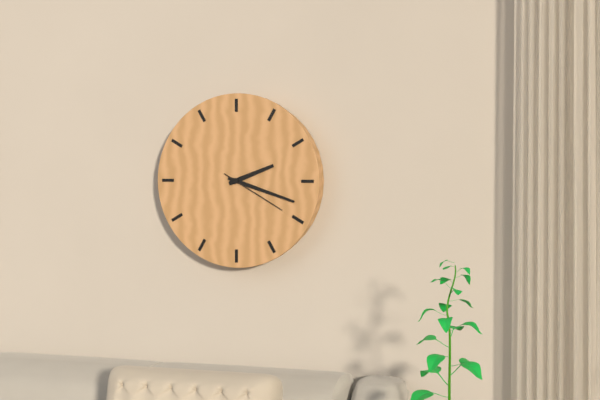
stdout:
**2:18:20**
